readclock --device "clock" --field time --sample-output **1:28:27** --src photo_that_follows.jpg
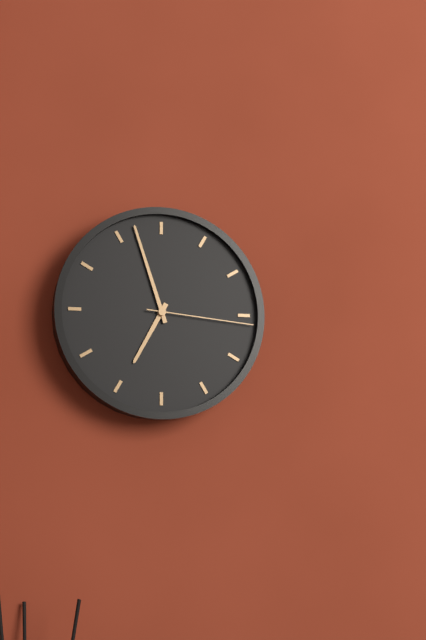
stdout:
**6:57:16**
